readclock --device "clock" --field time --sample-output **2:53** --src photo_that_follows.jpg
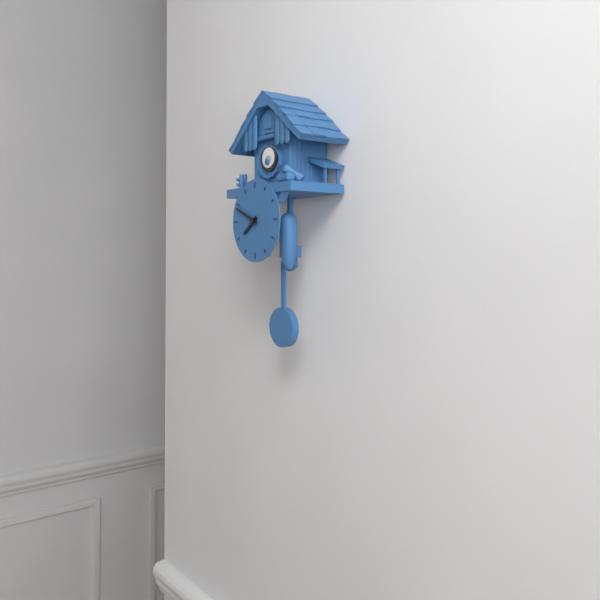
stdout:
**7:49**
